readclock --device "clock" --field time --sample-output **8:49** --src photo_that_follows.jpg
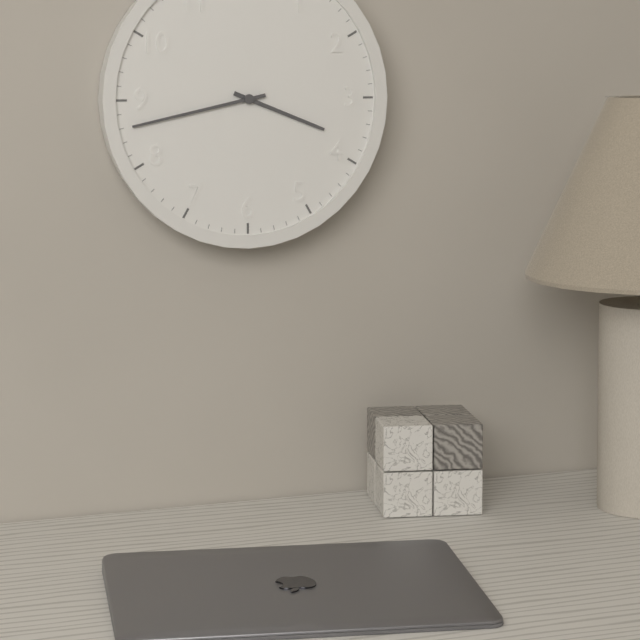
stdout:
**3:43**
